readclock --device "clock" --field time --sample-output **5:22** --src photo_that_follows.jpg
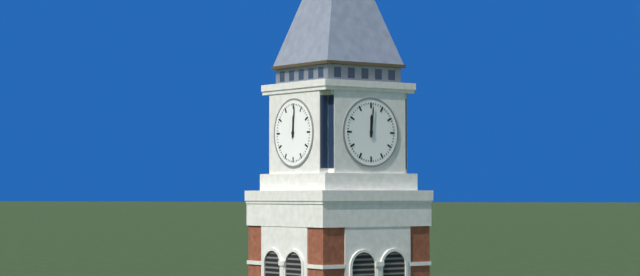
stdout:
**12:01**
